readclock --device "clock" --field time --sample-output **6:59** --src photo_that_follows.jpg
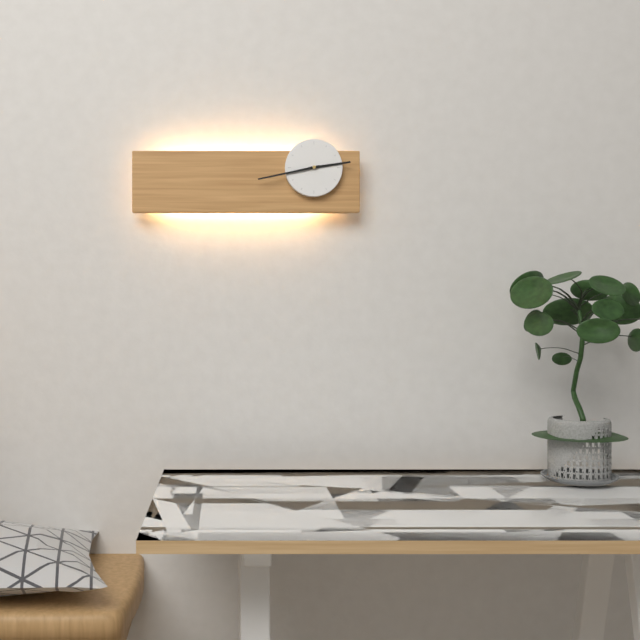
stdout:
**2:43**
